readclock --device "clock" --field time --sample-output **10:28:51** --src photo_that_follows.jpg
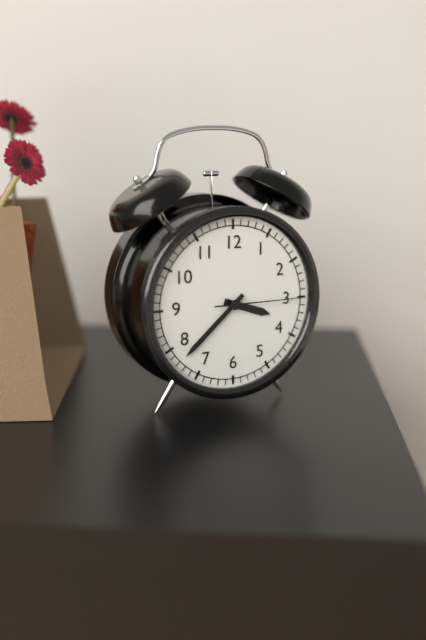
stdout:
**3:38:15**
